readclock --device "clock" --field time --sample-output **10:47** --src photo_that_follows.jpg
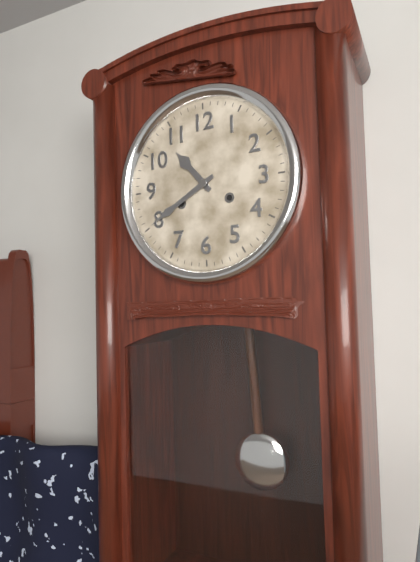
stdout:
**10:40**
